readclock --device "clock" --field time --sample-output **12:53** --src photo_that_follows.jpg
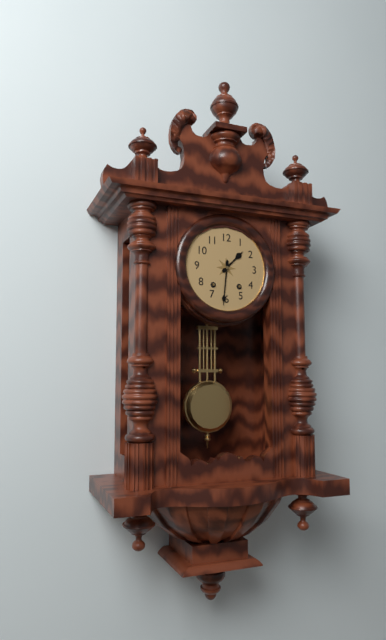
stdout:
**1:31**
